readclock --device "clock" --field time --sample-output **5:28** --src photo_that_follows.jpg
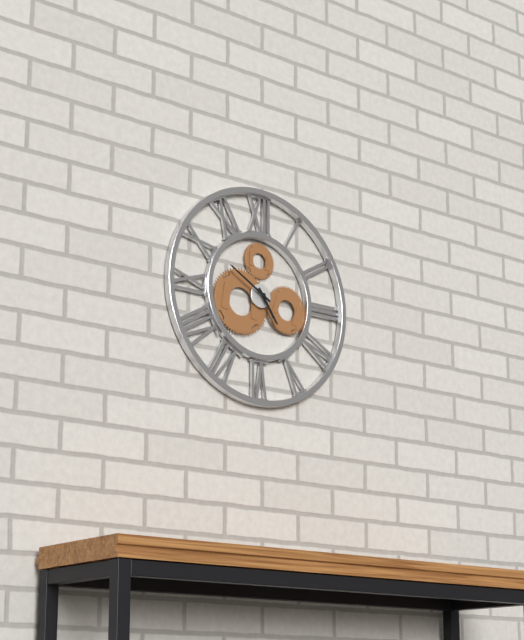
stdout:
**4:50**
